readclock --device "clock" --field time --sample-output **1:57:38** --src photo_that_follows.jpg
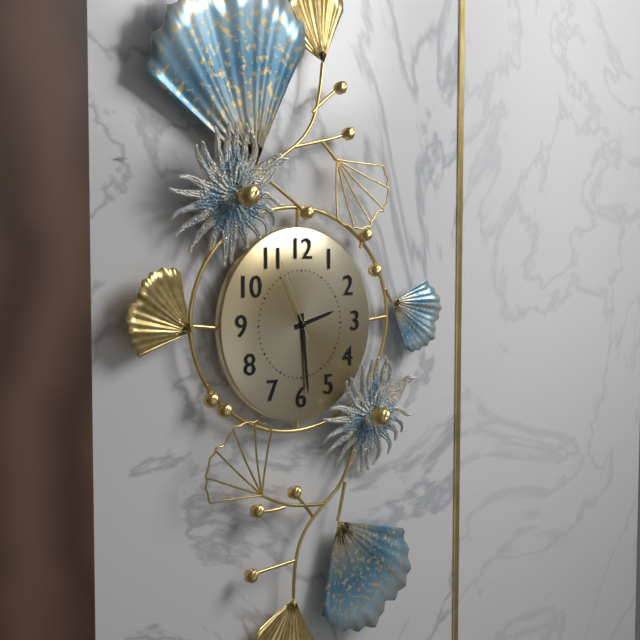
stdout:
**2:29:56**
